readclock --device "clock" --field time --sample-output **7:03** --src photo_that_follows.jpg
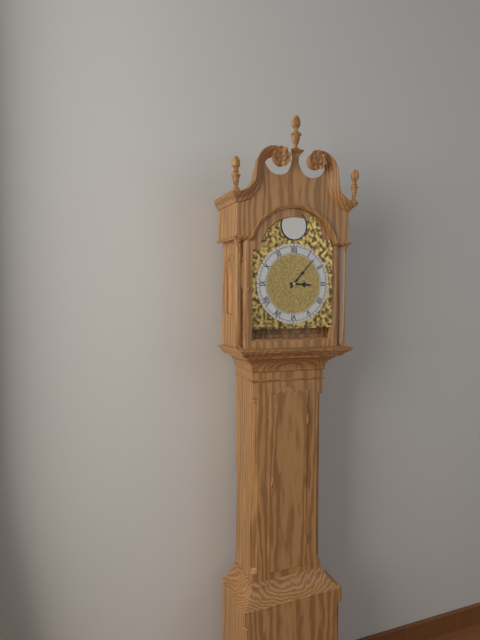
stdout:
**3:07**
